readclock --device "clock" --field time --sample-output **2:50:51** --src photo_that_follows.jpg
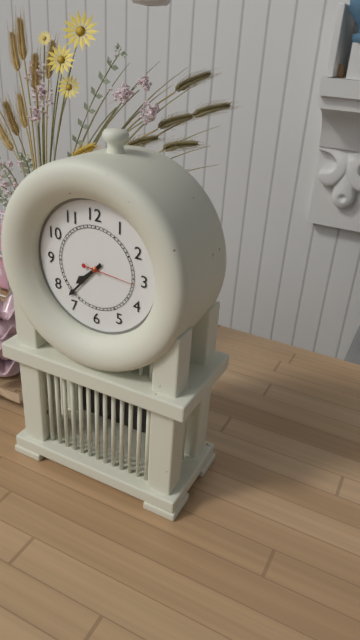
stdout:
**7:37:16**
